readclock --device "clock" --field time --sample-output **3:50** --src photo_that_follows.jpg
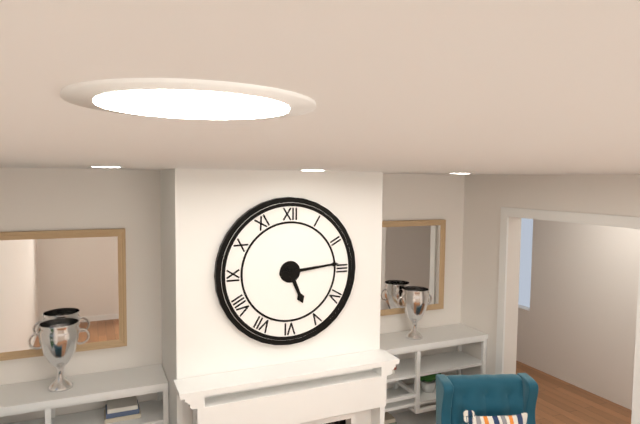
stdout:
**5:14**
